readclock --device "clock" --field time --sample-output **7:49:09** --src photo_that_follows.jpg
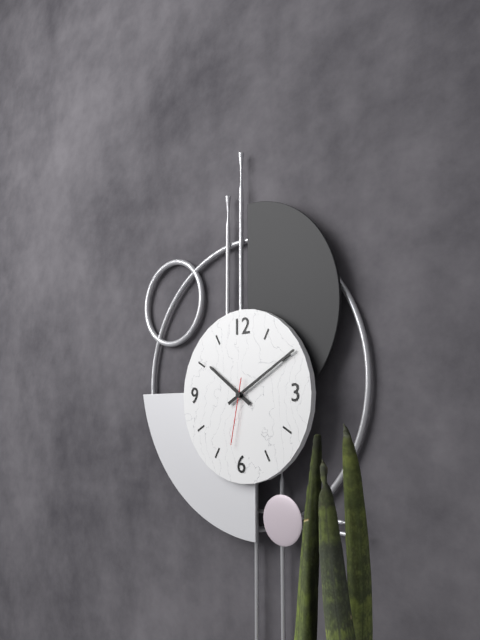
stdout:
**10:10:32**
